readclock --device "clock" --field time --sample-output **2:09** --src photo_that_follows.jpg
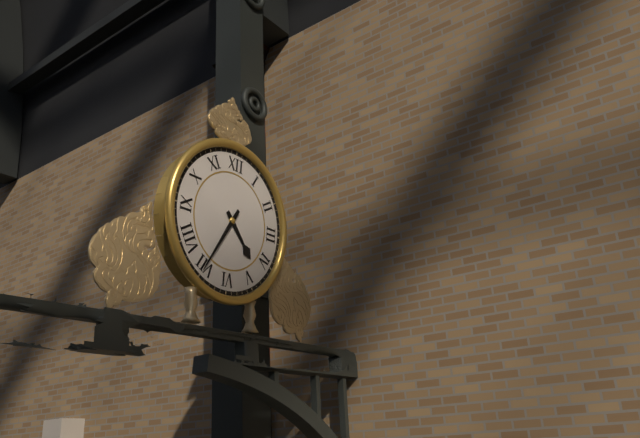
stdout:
**4:35**
